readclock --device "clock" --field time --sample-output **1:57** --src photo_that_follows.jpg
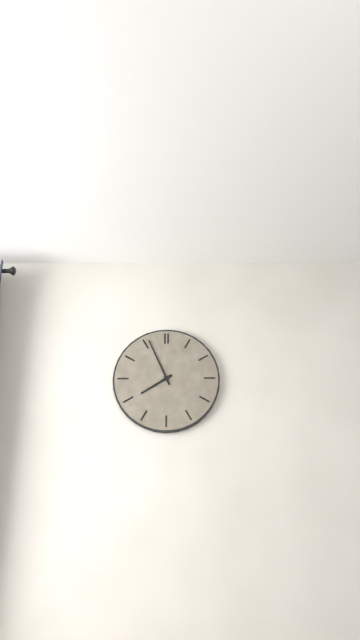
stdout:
**7:56**
